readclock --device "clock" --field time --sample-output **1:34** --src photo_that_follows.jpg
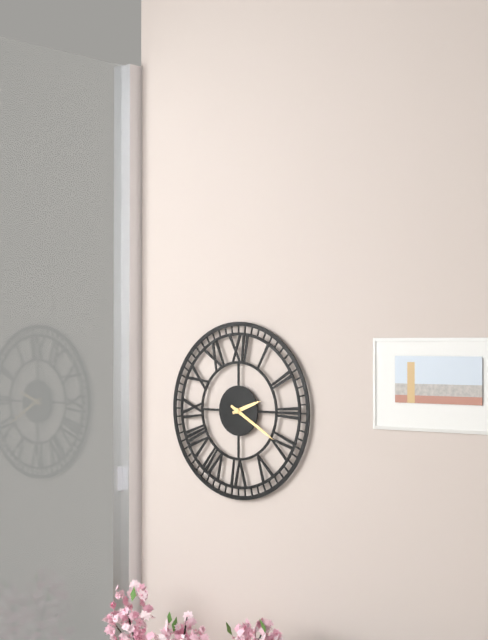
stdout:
**2:20**
